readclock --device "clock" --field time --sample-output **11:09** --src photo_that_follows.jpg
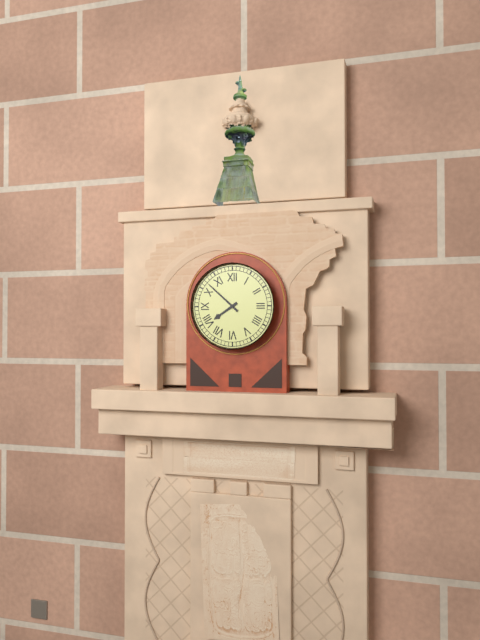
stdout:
**7:52**
